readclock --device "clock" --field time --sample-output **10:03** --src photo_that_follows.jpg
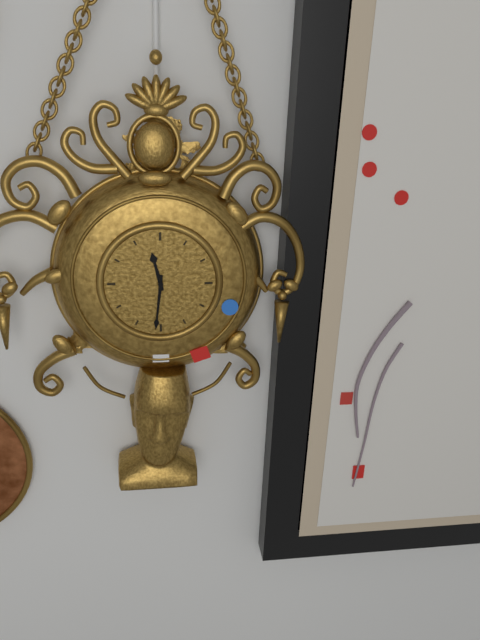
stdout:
**11:31**
